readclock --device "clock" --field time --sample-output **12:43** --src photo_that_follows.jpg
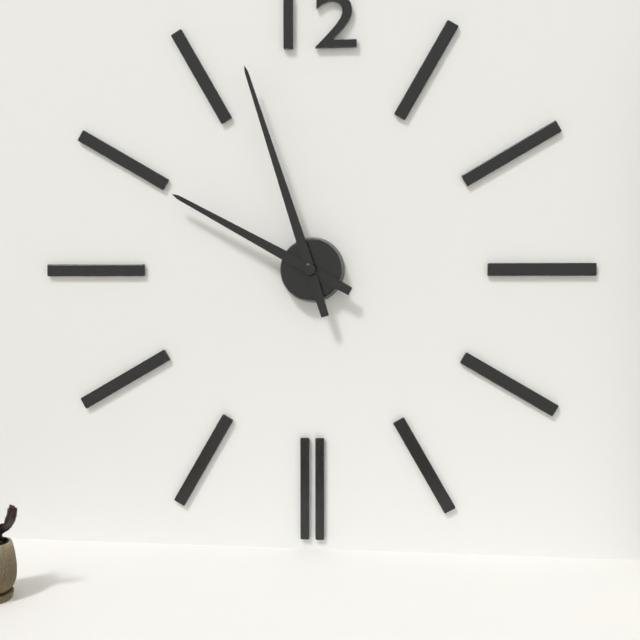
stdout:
**9:57**
